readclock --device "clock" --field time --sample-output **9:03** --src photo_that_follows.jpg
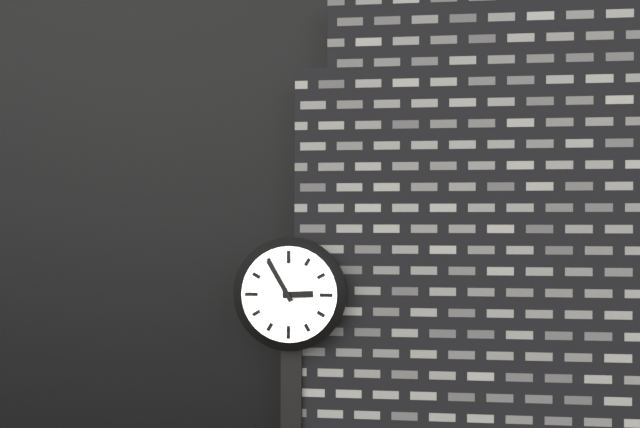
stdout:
**2:55**
